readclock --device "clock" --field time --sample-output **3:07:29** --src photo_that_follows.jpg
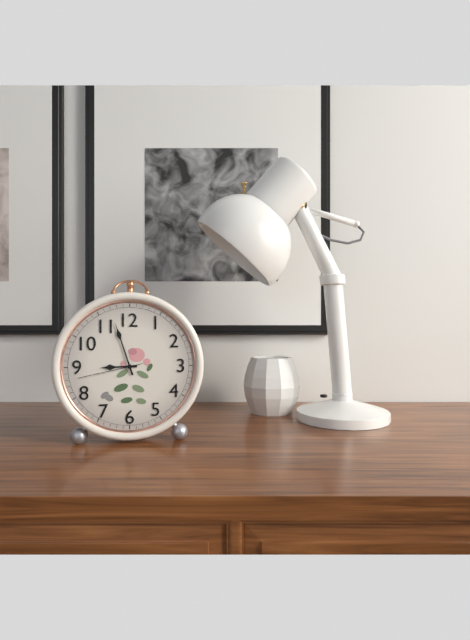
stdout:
**8:57:43**
